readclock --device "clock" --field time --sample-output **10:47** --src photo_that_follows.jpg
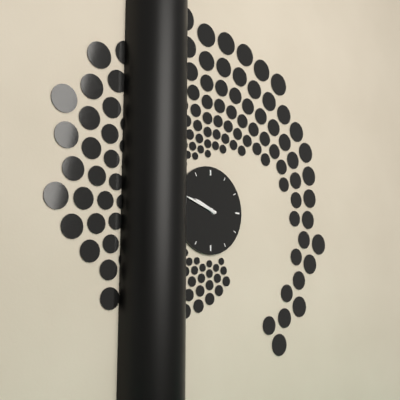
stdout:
**9:48**
